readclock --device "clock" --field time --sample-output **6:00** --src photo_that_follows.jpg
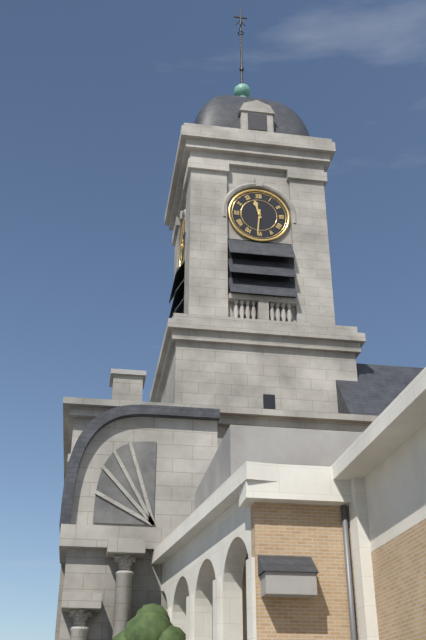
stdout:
**11:31**
